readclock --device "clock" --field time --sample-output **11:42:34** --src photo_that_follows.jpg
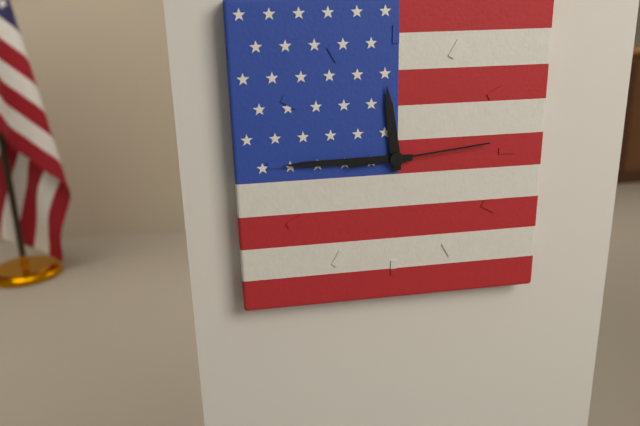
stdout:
**11:45:14**
